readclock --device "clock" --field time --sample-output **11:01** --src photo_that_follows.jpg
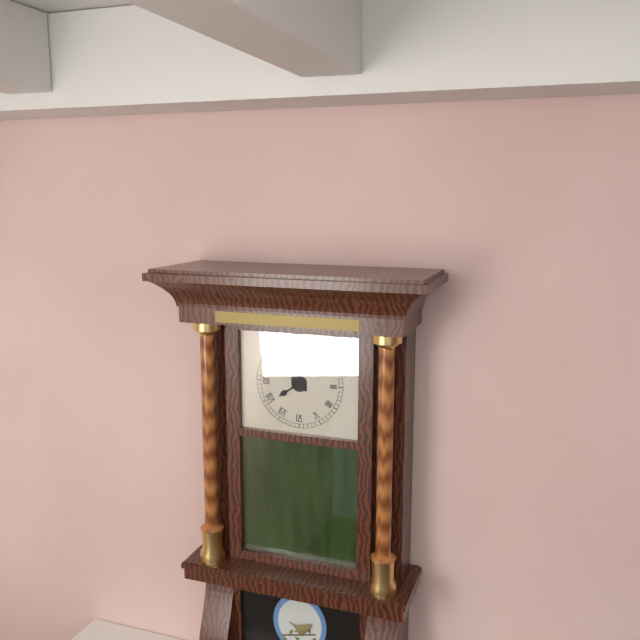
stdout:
**7:51**
